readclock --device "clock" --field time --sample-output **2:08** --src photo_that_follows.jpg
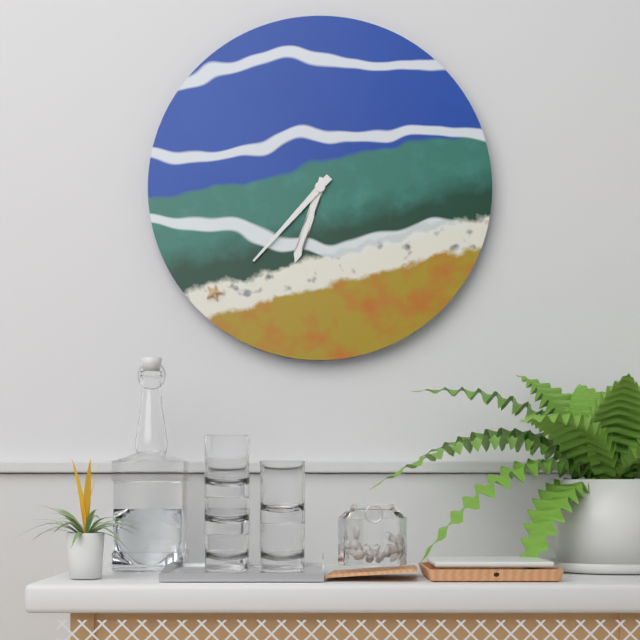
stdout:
**6:37**
